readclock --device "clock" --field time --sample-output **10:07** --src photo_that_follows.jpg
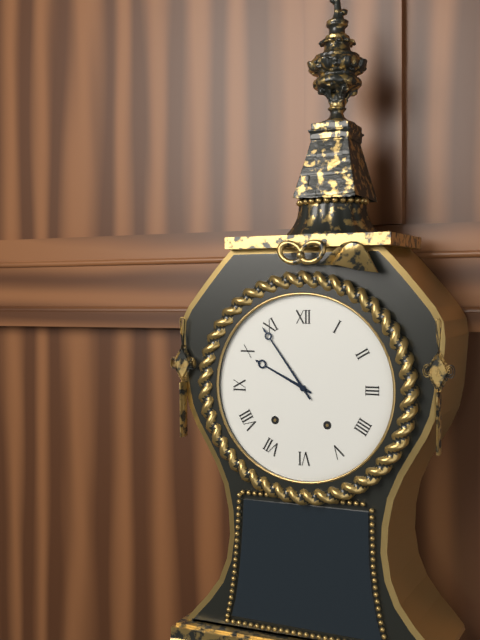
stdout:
**9:54**
